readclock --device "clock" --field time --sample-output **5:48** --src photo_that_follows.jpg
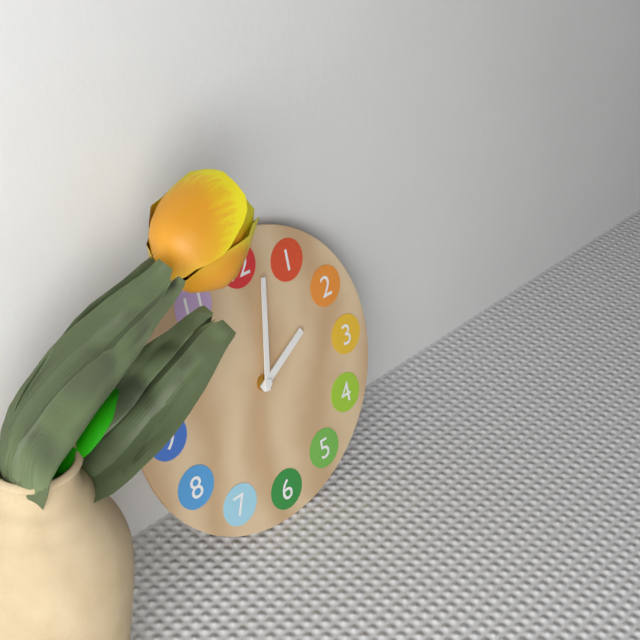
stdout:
**2:02**
